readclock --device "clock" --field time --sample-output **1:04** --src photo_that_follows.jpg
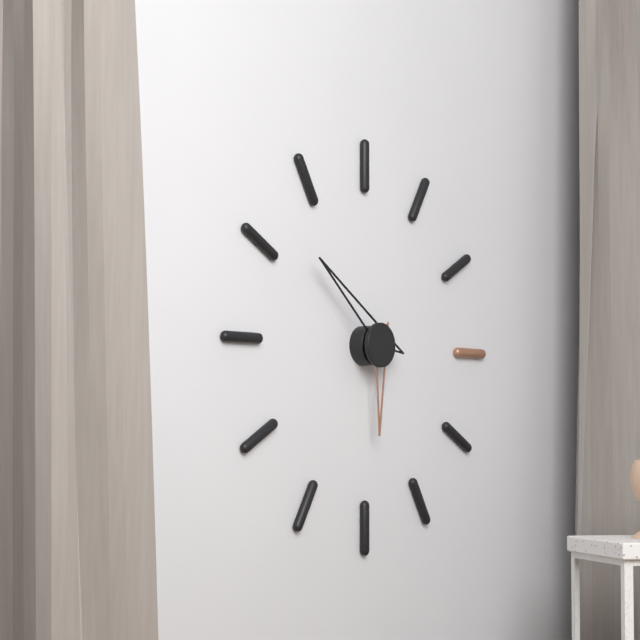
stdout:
**5:52**
